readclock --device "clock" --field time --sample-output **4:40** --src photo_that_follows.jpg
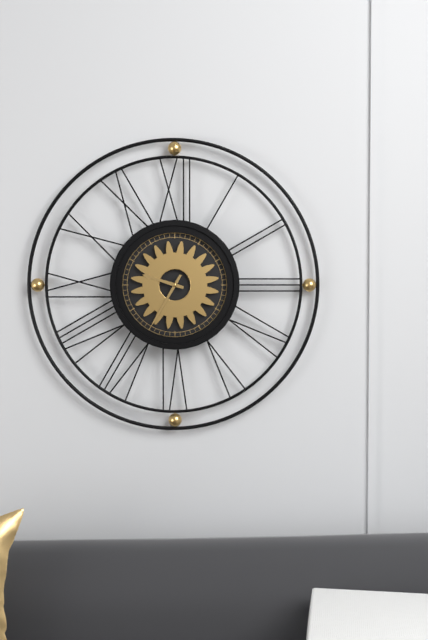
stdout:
**9:35**
